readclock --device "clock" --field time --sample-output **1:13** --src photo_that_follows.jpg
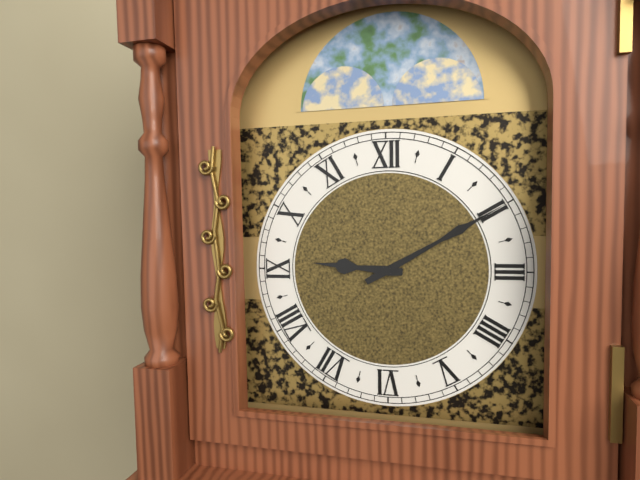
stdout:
**9:10**
